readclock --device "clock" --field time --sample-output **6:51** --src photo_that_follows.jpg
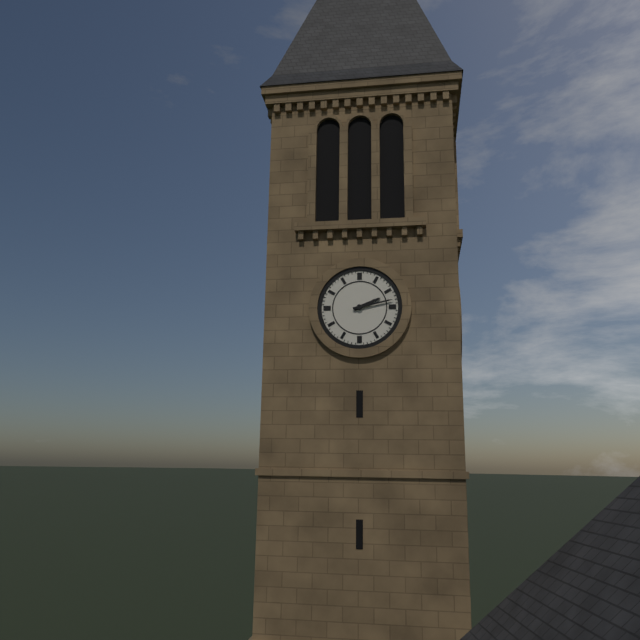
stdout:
**2:13**
